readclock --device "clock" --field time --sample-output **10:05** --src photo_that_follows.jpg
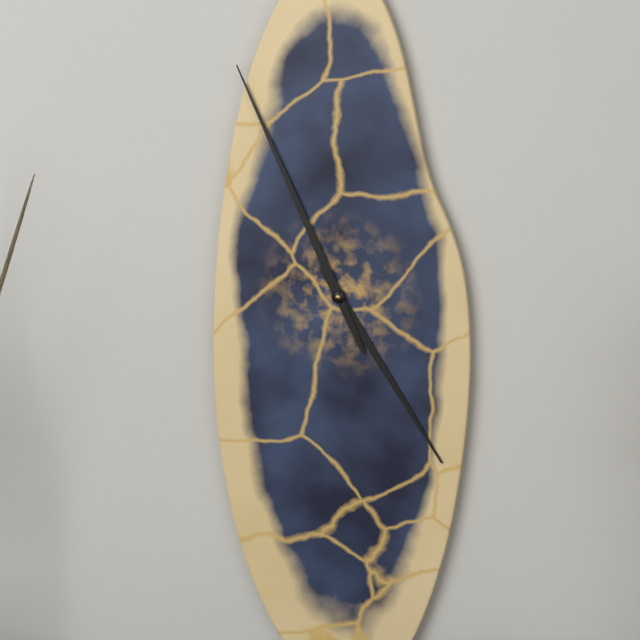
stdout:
**4:56**
